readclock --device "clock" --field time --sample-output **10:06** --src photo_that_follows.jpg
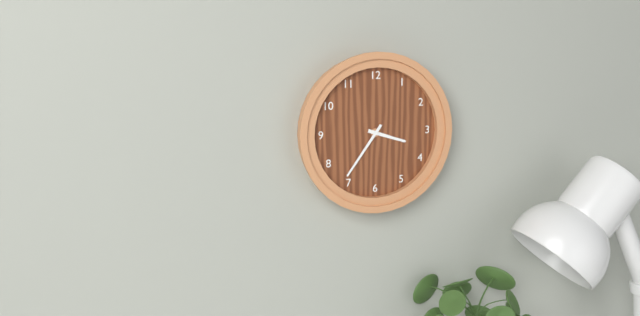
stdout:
**3:36**
